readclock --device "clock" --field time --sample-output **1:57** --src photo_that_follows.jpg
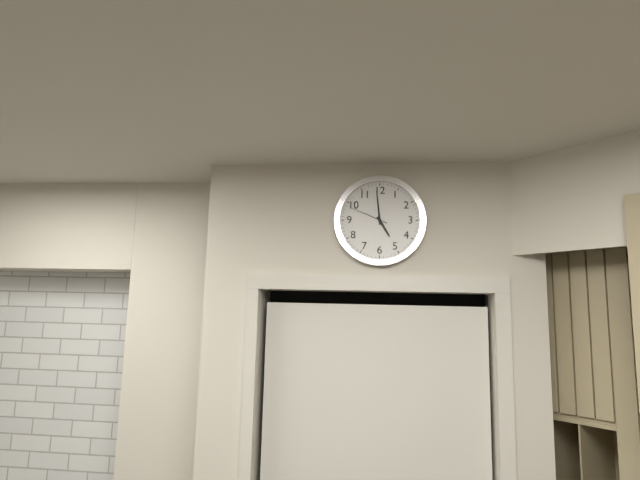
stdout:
**4:59**
